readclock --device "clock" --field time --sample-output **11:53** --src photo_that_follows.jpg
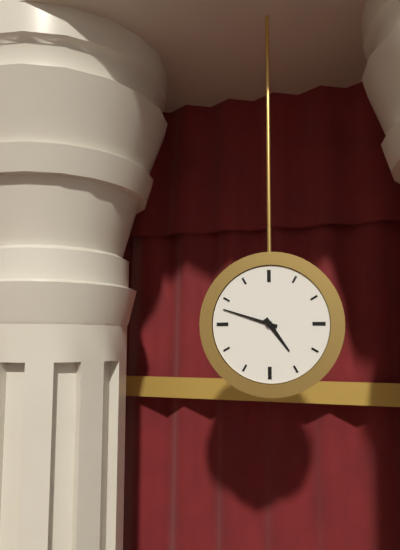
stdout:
**4:48**
